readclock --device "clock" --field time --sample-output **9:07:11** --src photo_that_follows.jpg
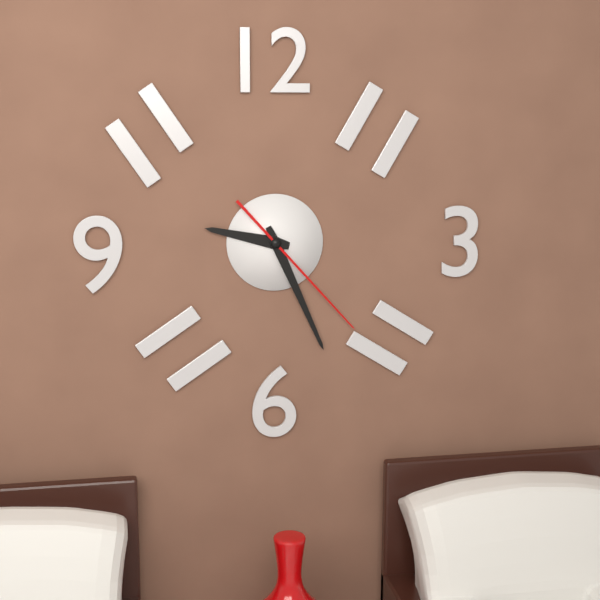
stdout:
**9:26:23**
